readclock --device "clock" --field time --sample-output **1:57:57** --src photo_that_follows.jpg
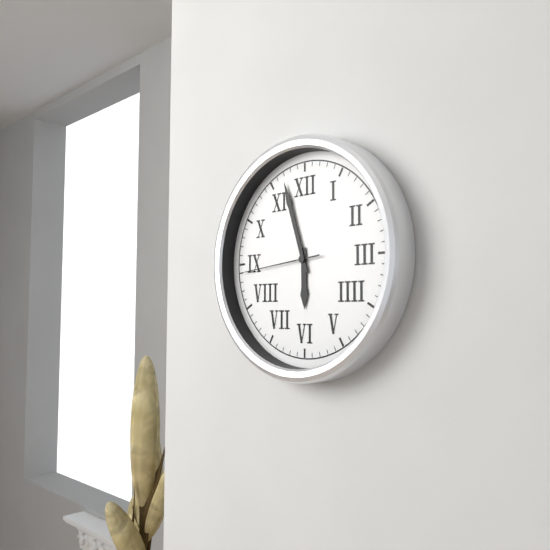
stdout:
**5:57:44**
